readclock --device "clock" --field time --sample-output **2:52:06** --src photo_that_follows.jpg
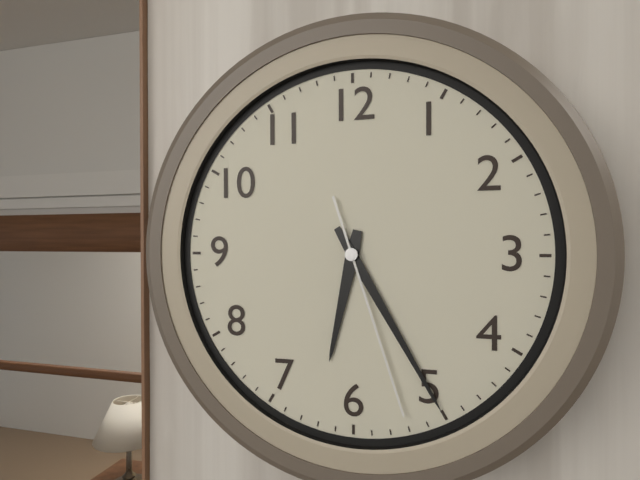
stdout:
**6:25:27**
